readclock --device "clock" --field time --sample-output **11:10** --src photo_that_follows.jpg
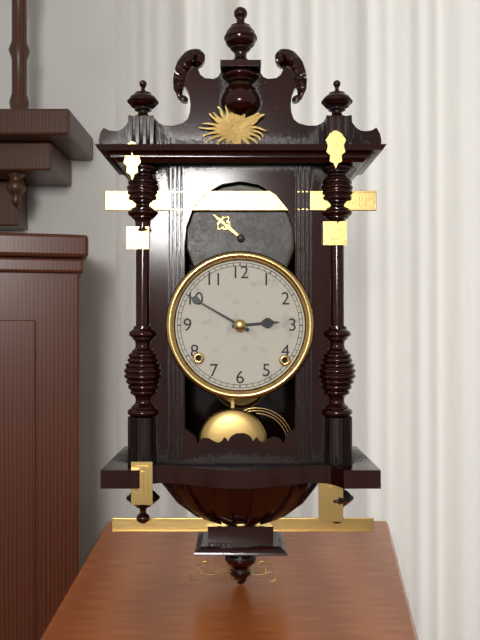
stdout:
**2:50**
